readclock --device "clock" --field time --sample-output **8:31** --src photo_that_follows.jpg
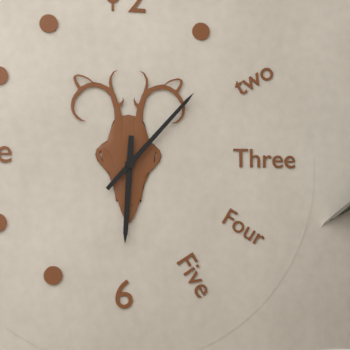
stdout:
**6:07**
